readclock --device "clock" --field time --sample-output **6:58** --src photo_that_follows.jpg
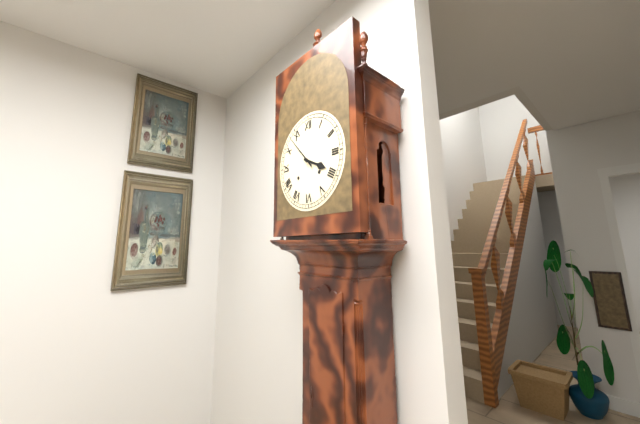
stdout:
**3:53**
